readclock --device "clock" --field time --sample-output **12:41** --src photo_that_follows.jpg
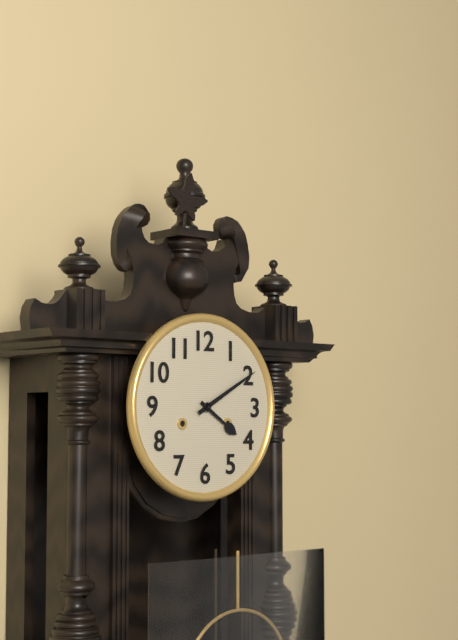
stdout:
**4:10**
